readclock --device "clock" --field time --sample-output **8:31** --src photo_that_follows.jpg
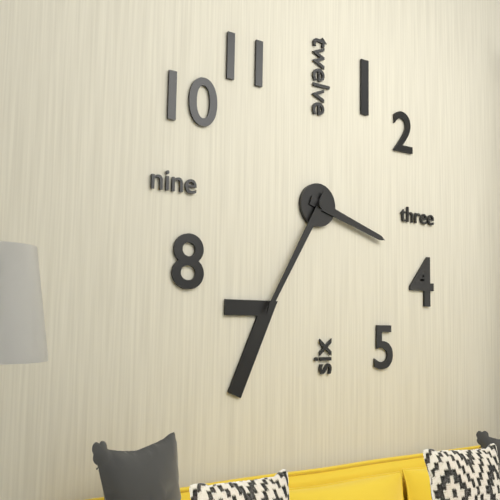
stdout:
**3:35**
